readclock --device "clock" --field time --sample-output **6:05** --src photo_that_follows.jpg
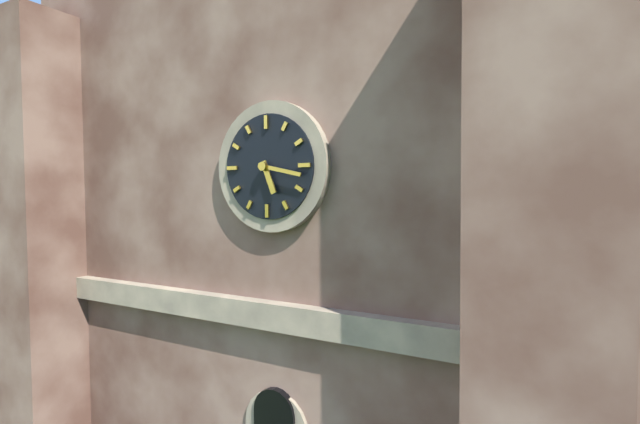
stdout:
**5:17**
